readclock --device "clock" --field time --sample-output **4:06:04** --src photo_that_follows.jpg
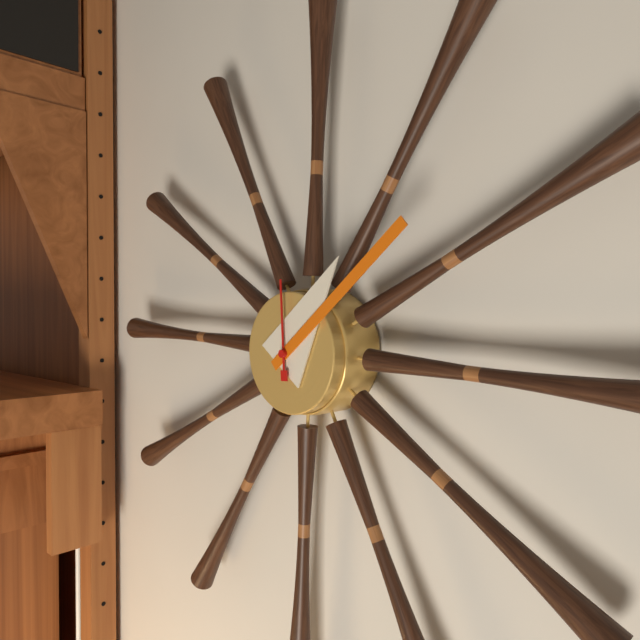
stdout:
**1:08:59**
